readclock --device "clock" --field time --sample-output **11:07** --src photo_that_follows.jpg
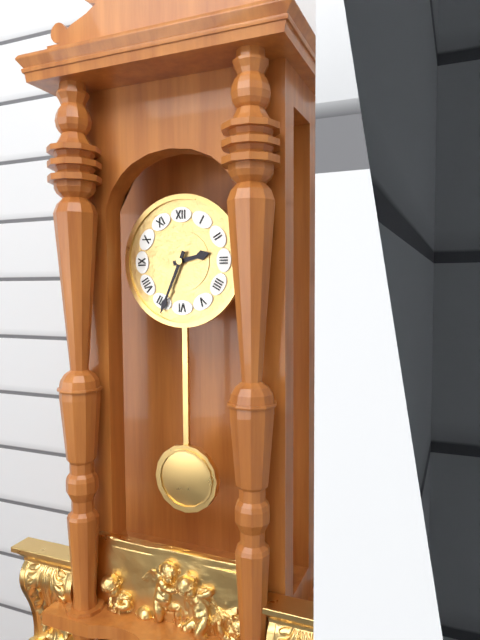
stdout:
**2:34**
